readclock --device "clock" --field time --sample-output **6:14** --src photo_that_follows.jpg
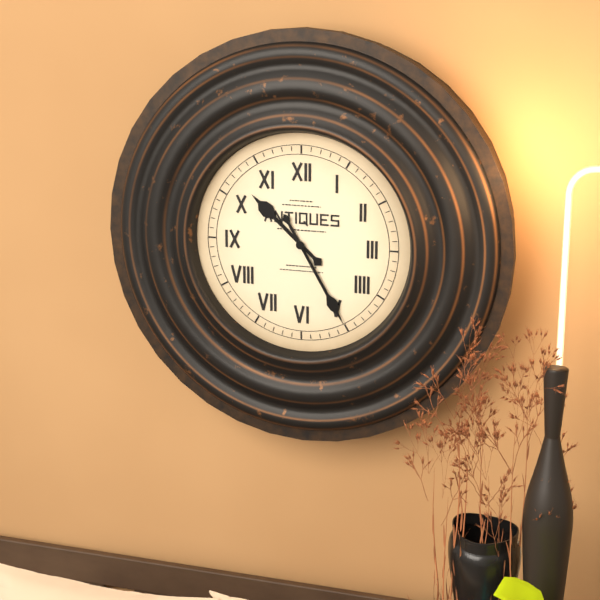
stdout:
**10:25**
